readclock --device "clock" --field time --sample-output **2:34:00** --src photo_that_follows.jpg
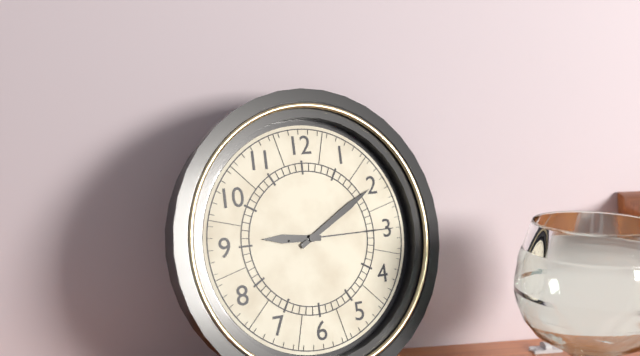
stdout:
**9:10:15**
